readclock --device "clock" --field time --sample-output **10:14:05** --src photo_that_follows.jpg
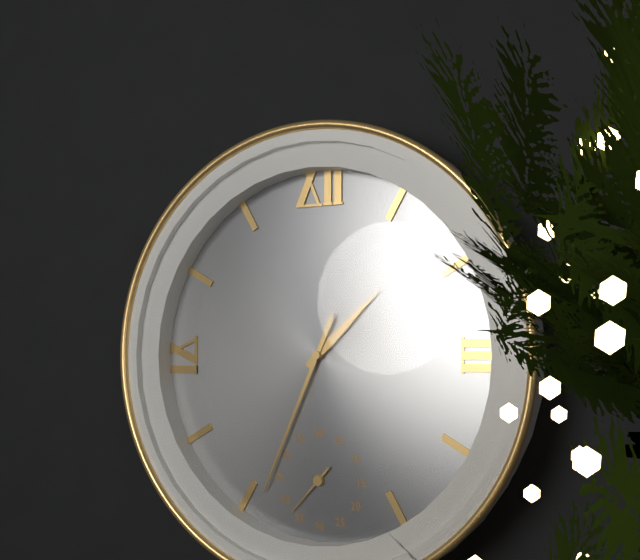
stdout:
**1:34:37**
